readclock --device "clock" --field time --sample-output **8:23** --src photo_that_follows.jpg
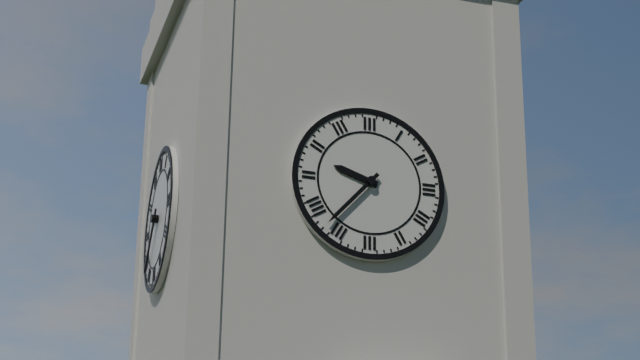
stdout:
**9:37**
